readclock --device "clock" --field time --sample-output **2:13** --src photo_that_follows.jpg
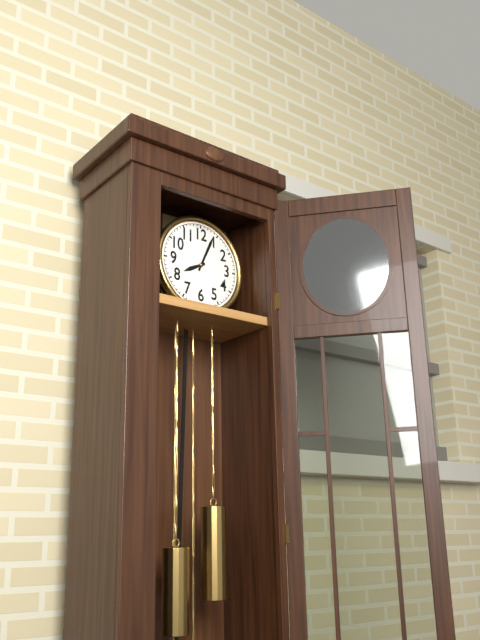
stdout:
**8:04**
